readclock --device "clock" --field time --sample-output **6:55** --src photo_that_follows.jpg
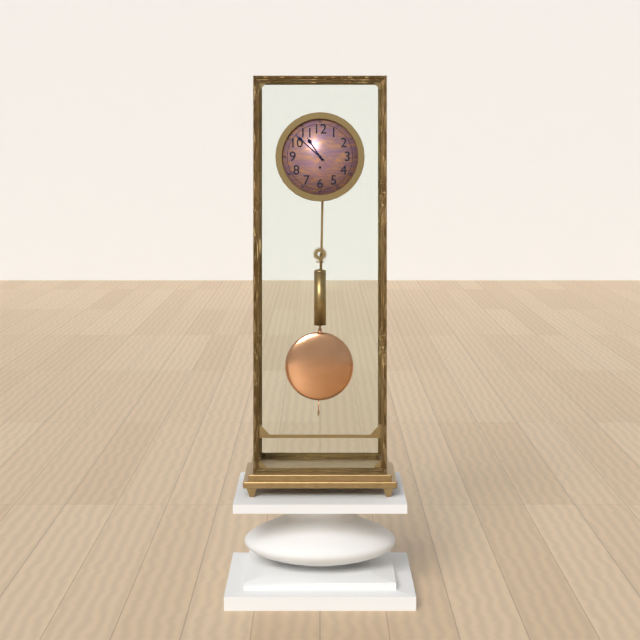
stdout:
**10:52**
